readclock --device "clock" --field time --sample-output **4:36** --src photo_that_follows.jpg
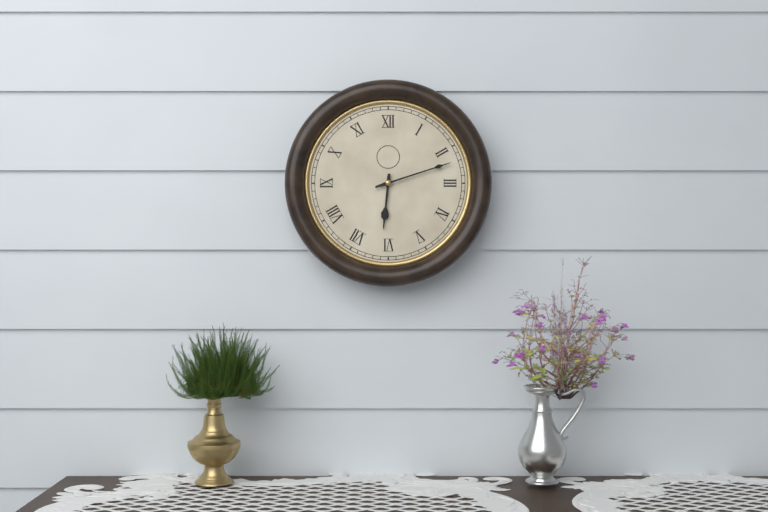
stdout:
**6:12**
